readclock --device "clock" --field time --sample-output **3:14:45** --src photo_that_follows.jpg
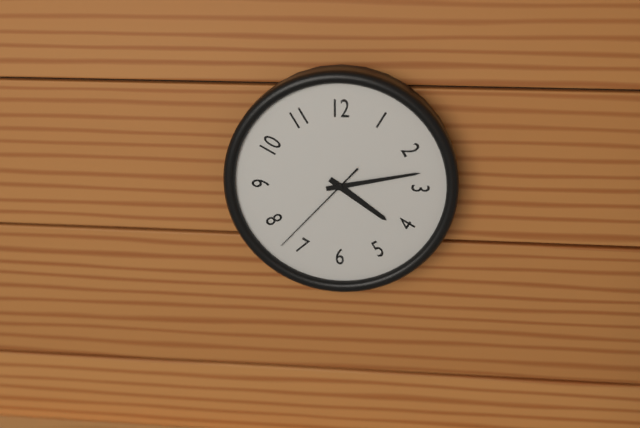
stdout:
**4:13:37**
